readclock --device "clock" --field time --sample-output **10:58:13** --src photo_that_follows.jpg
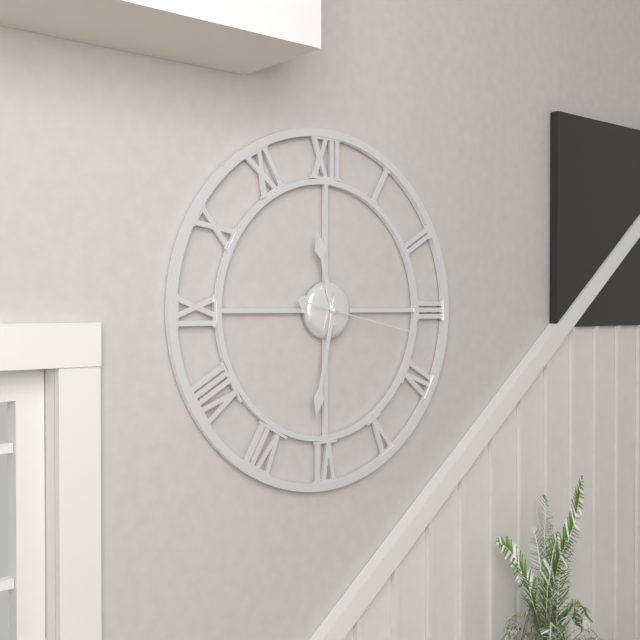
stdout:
**11:32:17**
